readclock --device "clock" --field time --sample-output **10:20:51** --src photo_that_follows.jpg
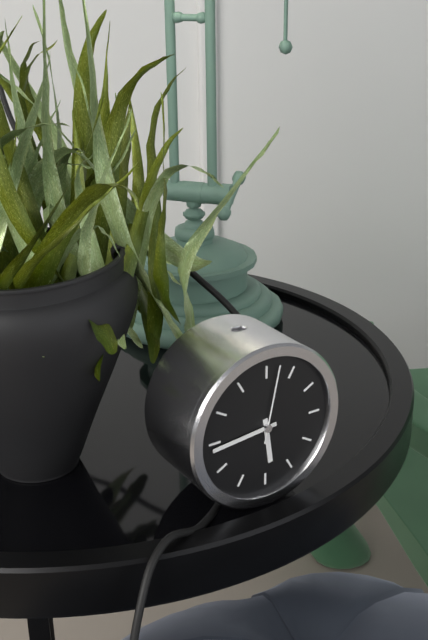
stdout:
**5:44:02**
